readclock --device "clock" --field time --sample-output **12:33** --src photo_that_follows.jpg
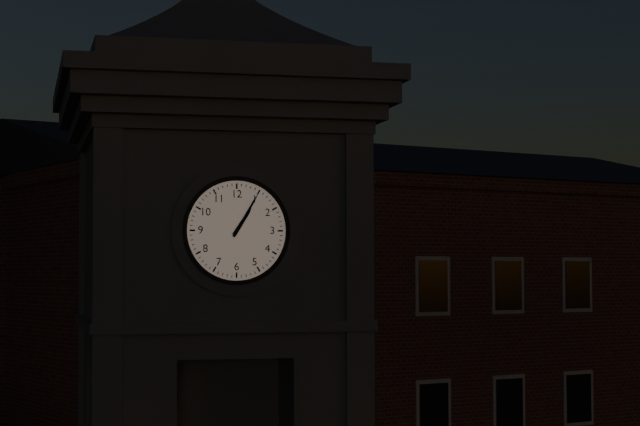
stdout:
**1:05**
